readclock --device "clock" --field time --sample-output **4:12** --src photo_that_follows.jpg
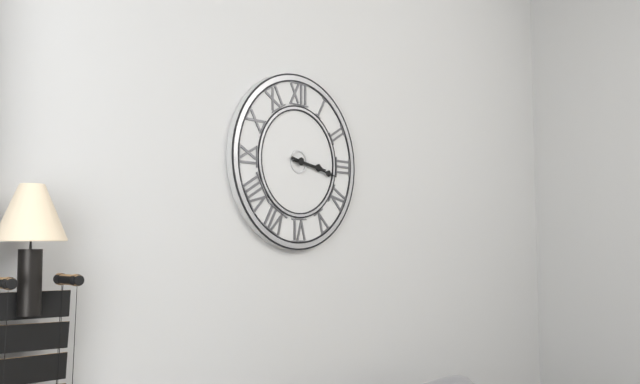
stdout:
**3:17**
